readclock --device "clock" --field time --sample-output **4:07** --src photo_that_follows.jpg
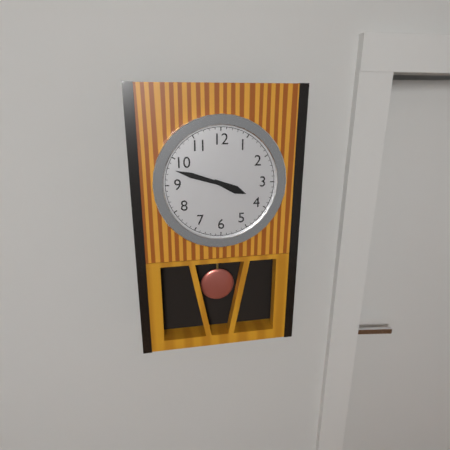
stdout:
**3:48**
